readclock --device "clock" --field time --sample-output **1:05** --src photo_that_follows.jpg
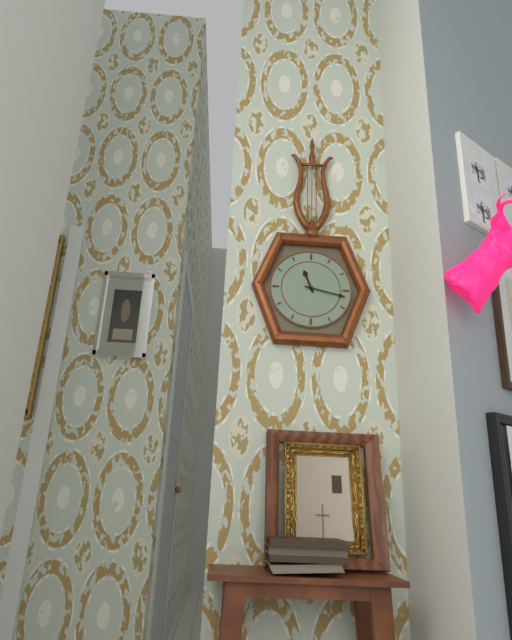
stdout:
**11:17**
